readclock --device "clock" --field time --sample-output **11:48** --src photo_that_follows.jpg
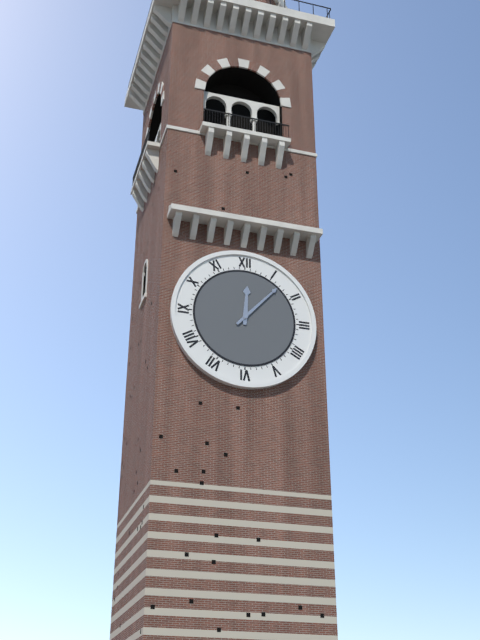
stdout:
**12:07**
